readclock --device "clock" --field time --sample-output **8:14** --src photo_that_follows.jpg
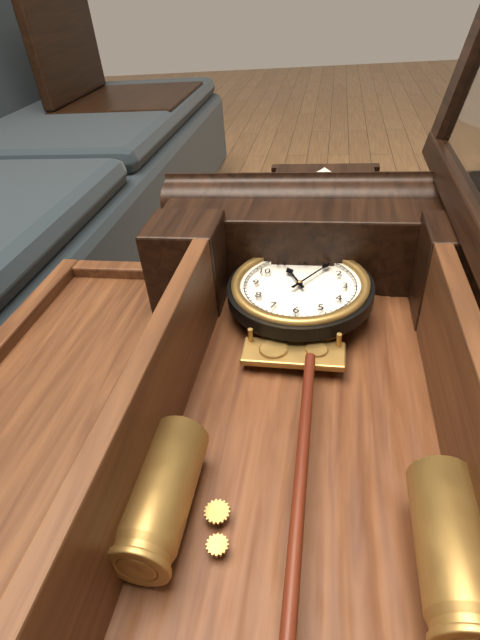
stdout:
**11:06**
